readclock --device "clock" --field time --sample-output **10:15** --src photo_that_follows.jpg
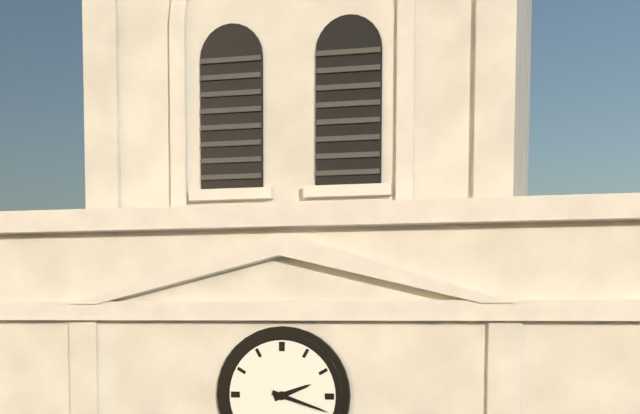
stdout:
**2:18**
